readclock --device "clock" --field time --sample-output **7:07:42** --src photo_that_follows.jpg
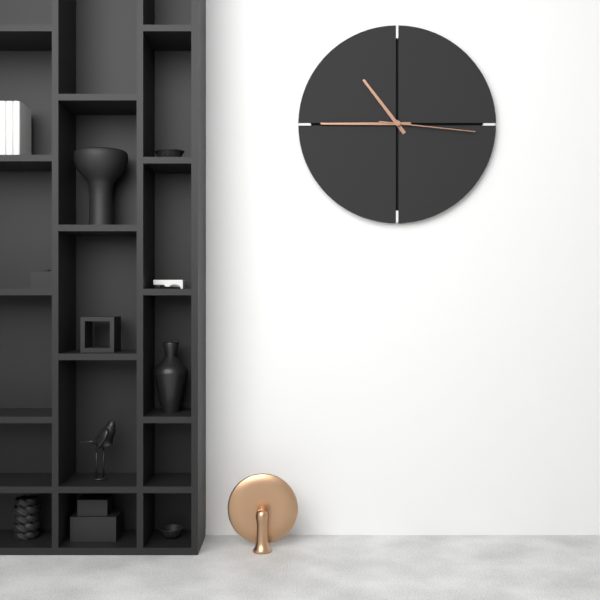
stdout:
**10:45:16**
